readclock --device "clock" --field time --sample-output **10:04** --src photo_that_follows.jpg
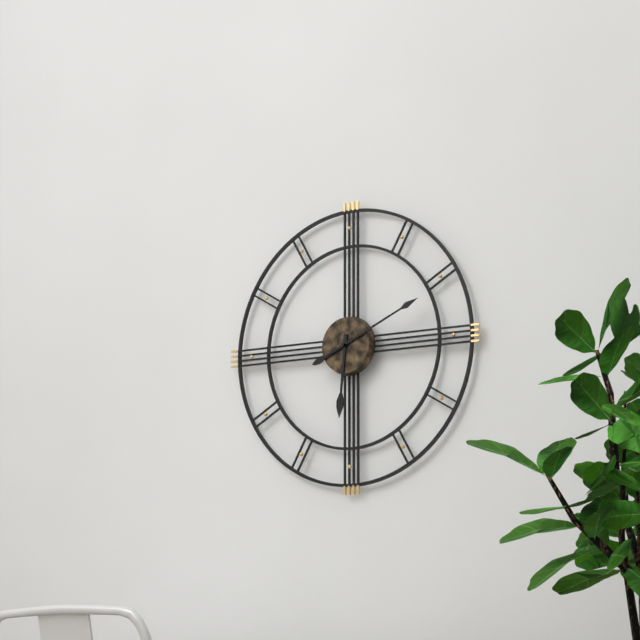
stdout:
**6:11**
